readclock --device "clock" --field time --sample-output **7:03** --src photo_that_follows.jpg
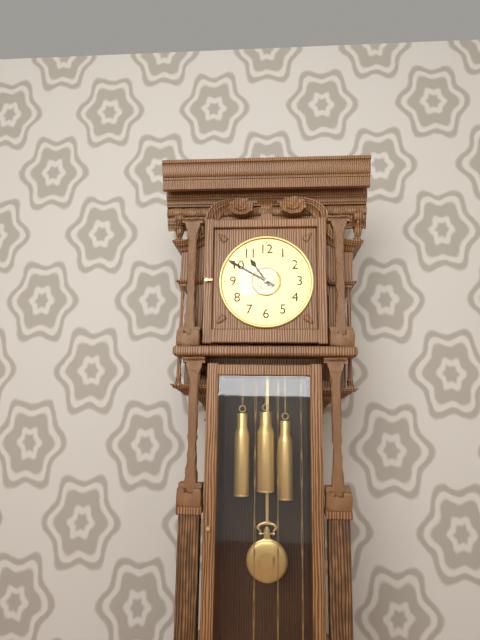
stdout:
**10:50**
